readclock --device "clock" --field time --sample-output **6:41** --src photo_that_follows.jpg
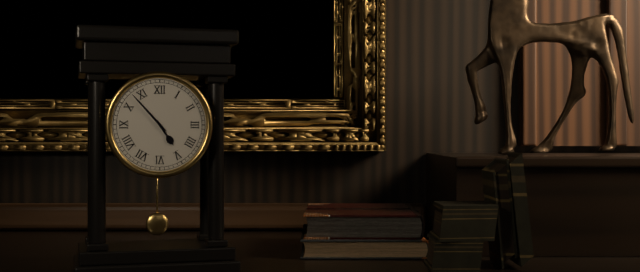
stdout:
**4:53**
